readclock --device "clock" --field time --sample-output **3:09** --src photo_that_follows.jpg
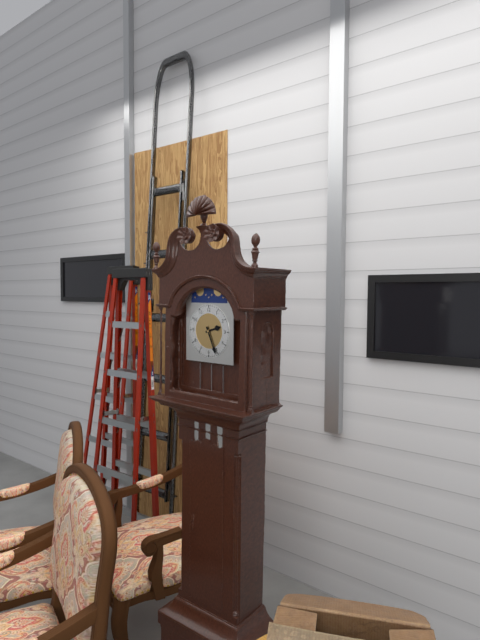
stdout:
**2:26**
